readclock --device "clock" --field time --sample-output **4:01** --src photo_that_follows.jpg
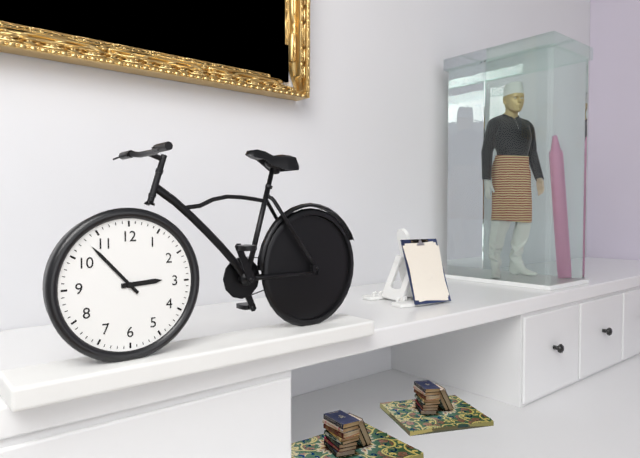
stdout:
**2:53**
